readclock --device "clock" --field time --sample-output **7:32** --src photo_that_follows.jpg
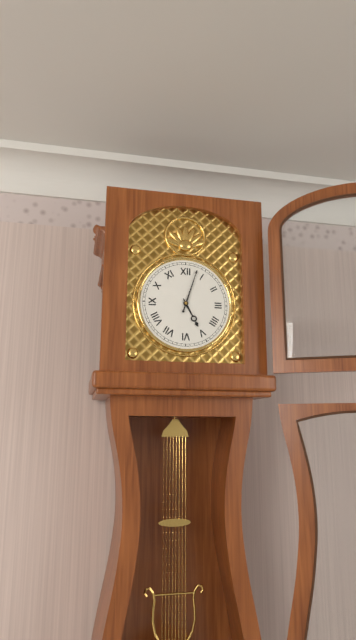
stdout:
**5:03**
